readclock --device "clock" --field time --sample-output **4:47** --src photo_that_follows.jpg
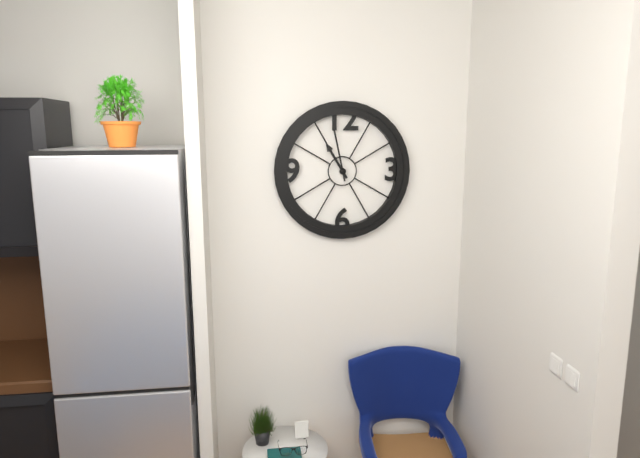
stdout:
**10:58**
